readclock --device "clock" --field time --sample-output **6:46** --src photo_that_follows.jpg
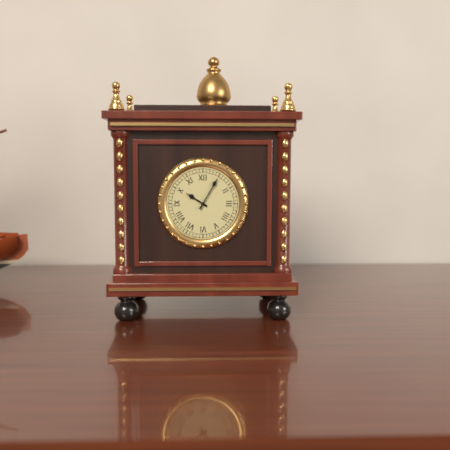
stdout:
**10:05**
